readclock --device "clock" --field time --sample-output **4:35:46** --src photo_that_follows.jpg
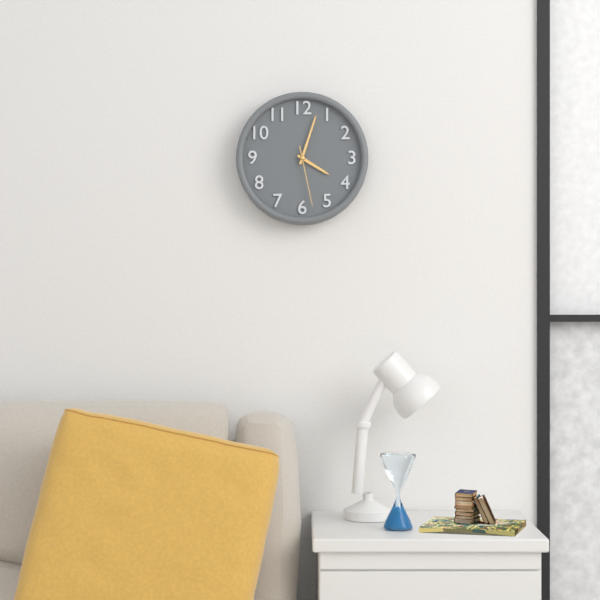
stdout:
**4:03:28**
